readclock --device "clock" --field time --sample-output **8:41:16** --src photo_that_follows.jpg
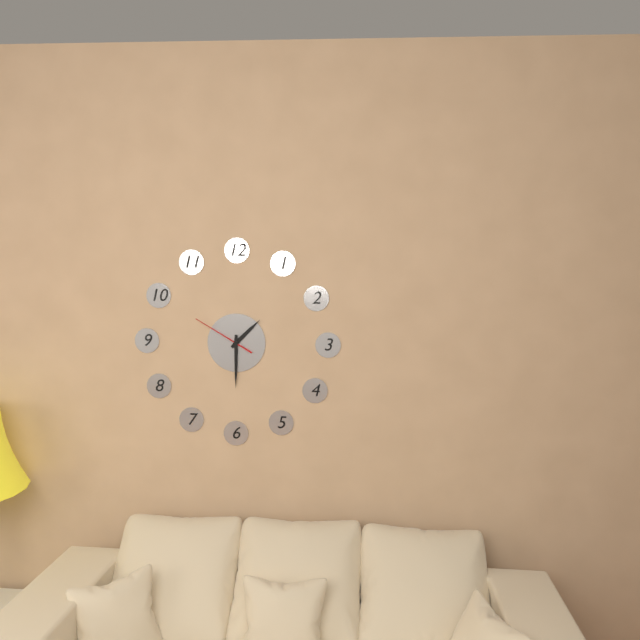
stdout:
**1:30:50**
